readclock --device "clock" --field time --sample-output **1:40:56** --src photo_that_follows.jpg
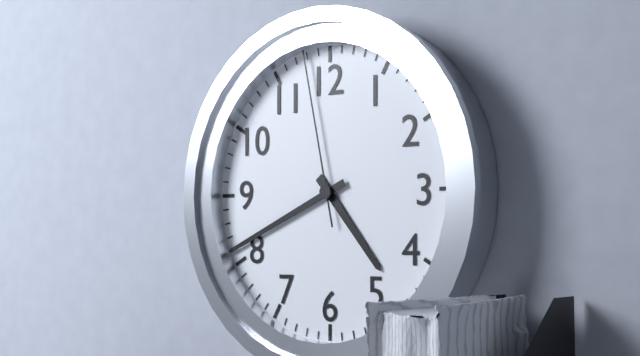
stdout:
**4:41:58**
